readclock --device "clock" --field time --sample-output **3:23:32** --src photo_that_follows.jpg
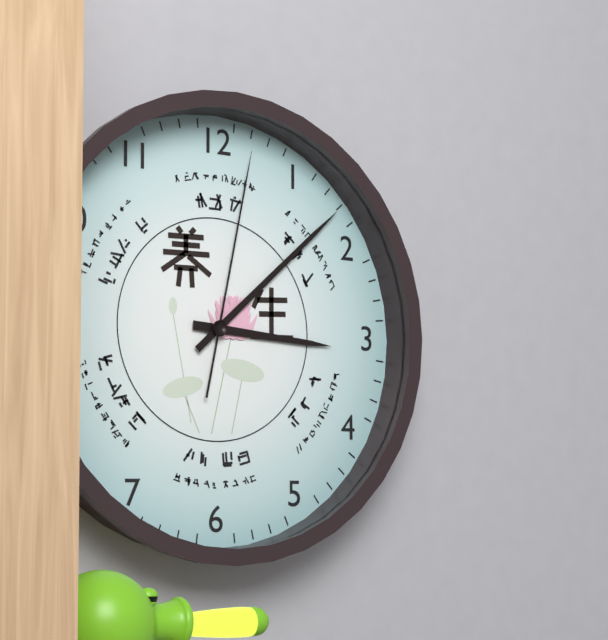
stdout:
**3:08:02**
